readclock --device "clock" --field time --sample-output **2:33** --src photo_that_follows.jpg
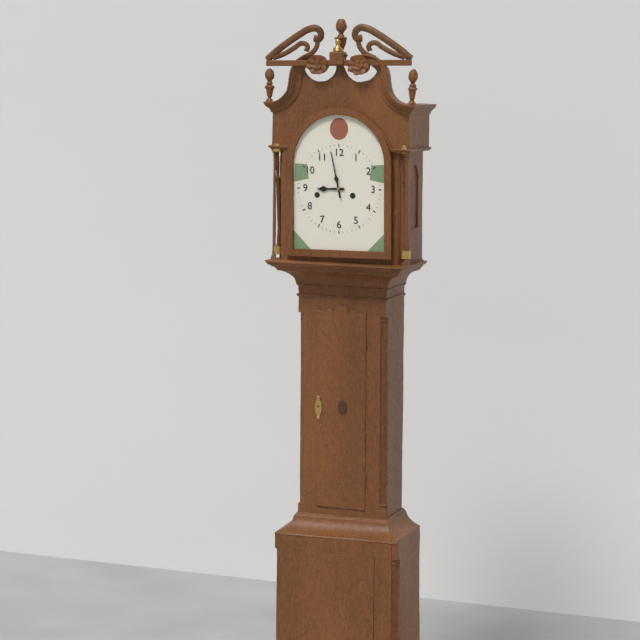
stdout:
**8:58**
